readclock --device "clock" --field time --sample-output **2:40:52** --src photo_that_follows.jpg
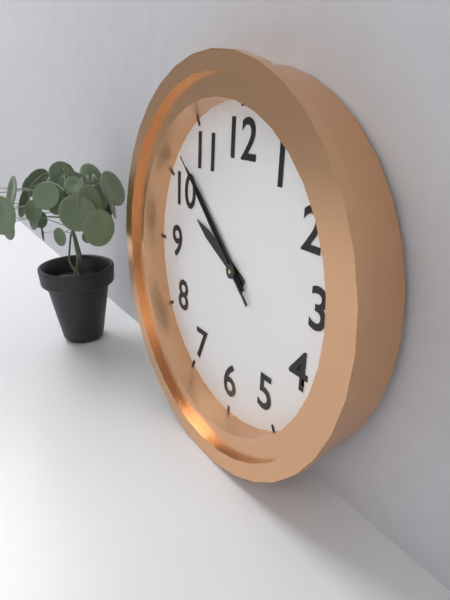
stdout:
**9:52:52**
